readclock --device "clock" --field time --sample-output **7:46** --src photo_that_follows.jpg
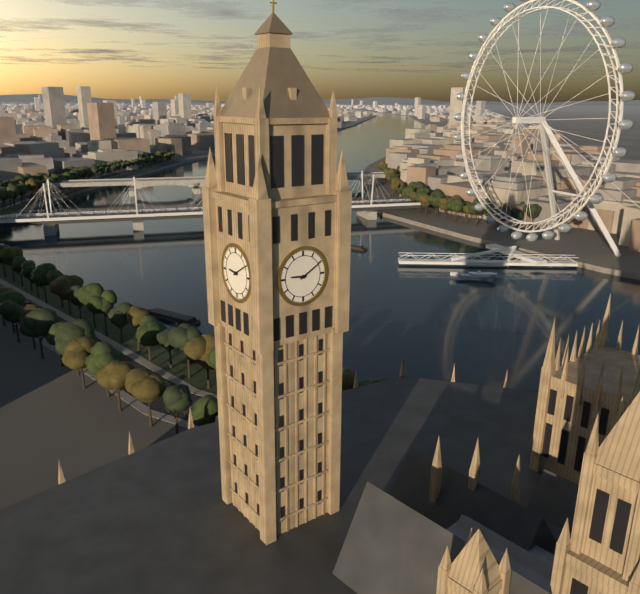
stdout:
**9:10**
